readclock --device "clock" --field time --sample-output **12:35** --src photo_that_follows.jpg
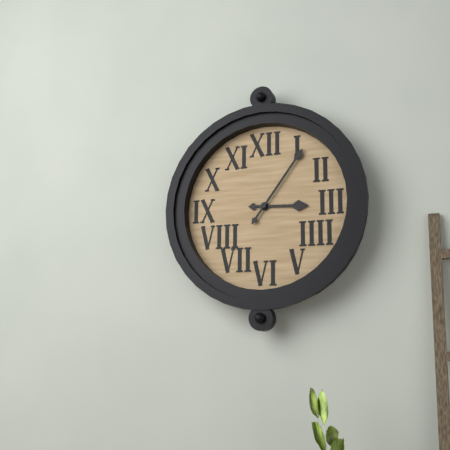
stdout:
**3:06**
